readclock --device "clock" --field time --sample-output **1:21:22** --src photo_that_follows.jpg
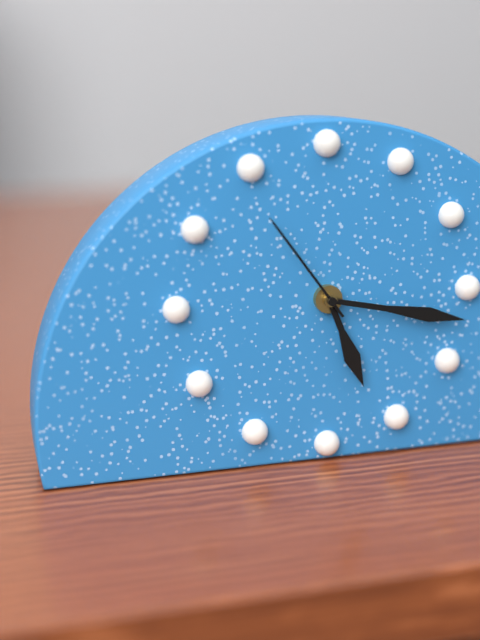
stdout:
**5:17:54**
